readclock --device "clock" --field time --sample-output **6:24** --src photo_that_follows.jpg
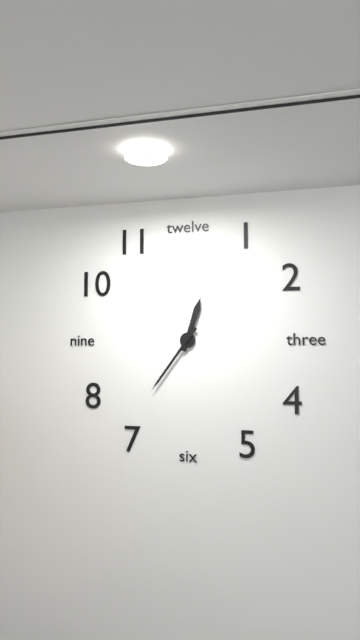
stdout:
**12:36**
